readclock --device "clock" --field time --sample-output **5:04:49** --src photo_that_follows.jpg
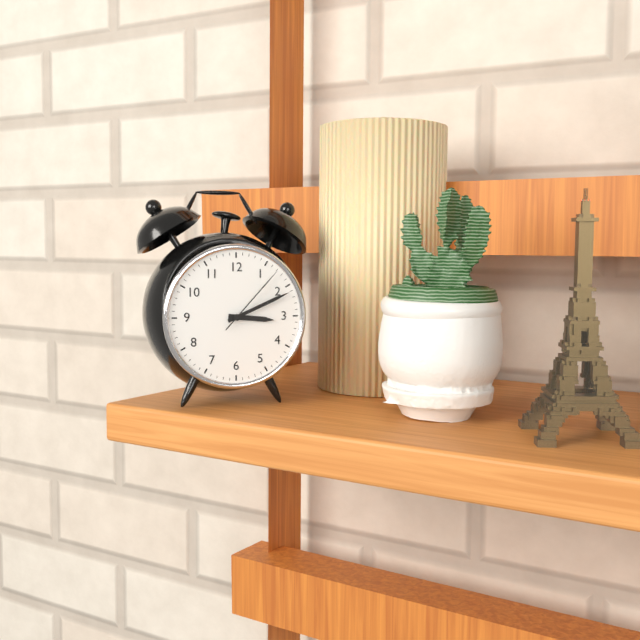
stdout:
**3:11:07**
